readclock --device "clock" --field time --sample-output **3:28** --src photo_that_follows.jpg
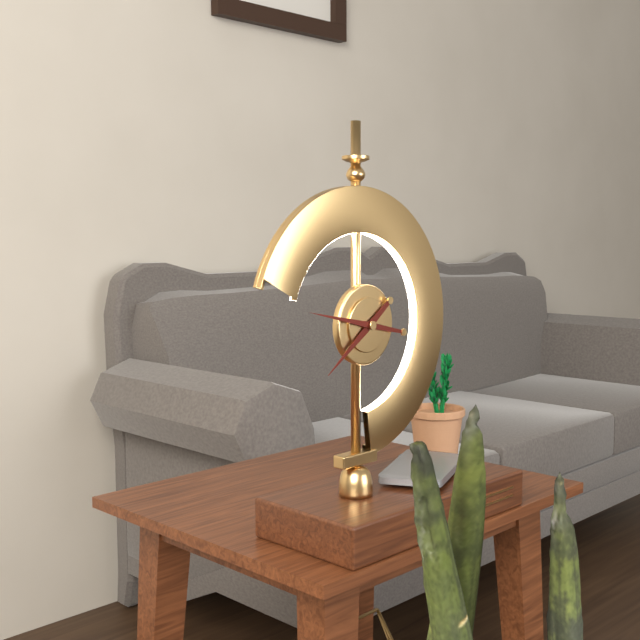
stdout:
**7:47**
